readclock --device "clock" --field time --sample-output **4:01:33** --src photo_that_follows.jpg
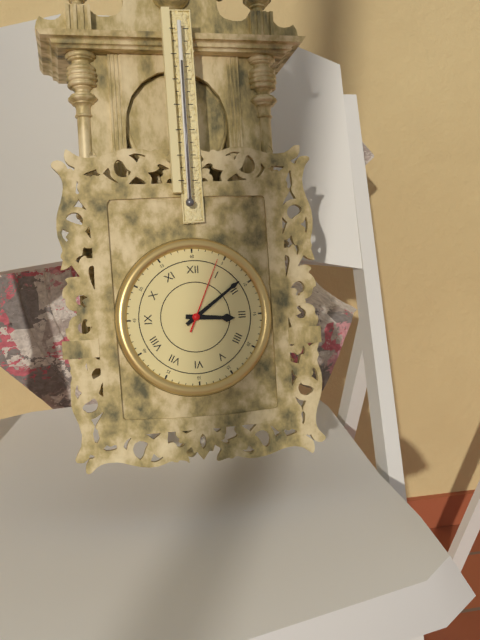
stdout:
**3:09:04**
